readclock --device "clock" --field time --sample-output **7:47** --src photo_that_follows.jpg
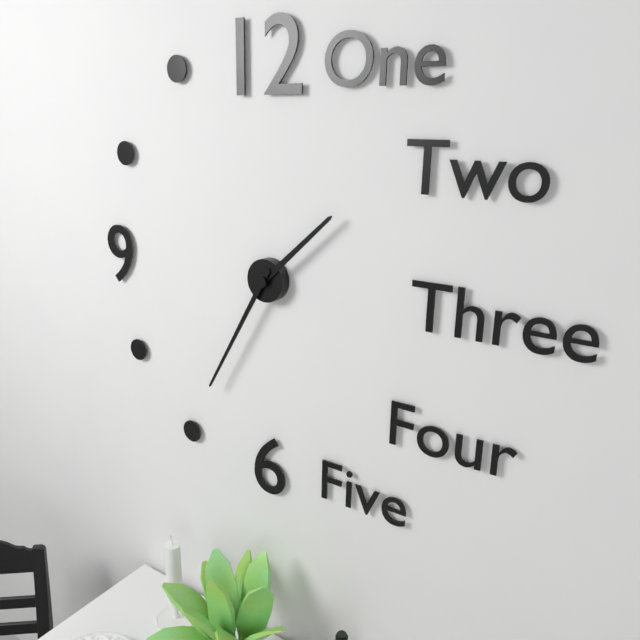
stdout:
**1:35**
